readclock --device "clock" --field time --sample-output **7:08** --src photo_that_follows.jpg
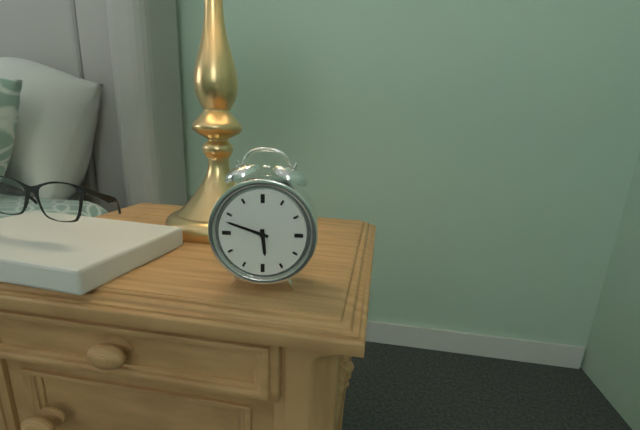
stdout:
**5:48**
